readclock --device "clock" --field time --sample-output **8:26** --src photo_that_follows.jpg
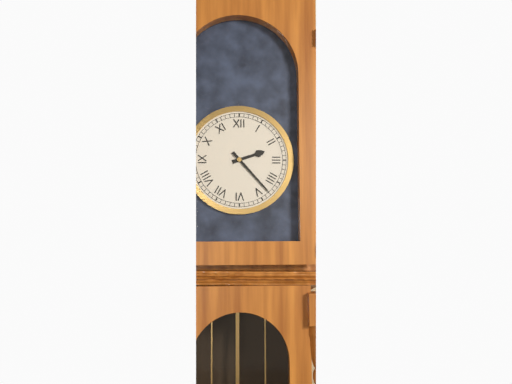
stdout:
**2:23**
